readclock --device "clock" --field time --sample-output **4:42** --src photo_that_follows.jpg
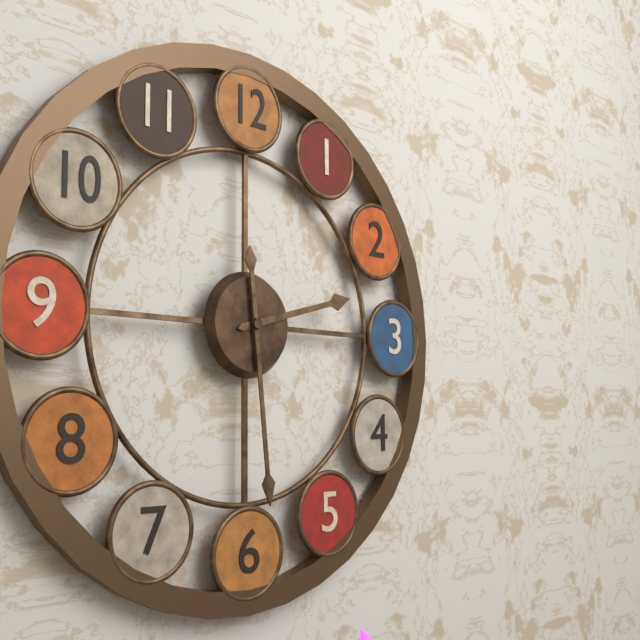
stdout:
**2:29**
